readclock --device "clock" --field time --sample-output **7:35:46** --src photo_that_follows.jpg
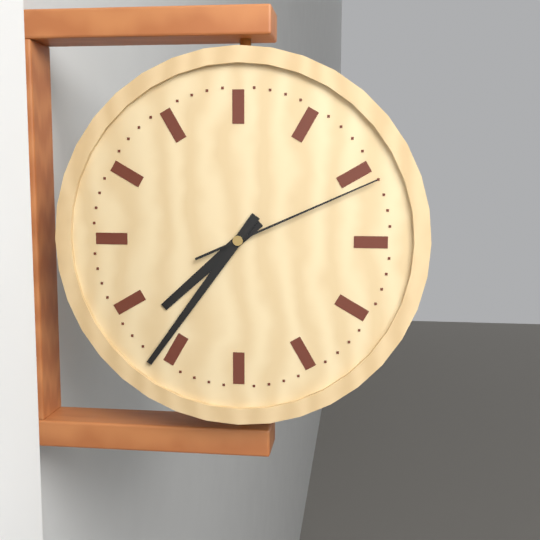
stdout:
**7:36:11**
